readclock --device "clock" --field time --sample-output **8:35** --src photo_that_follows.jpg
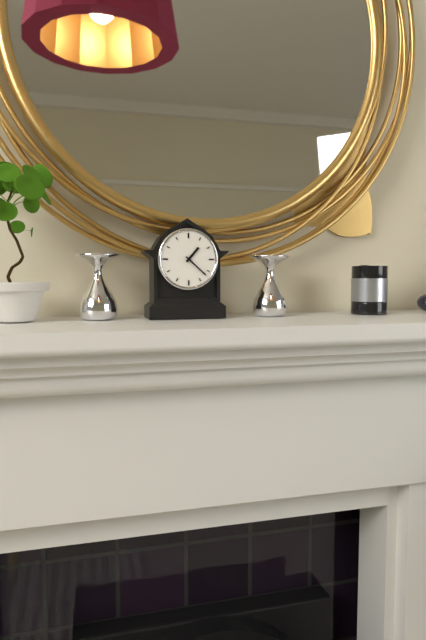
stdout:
**1:22**
